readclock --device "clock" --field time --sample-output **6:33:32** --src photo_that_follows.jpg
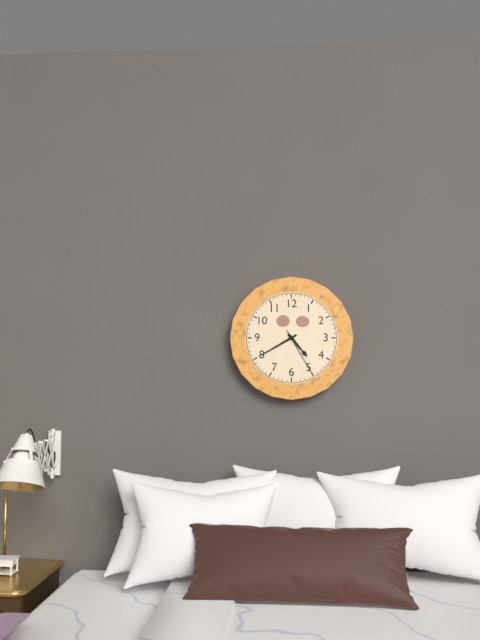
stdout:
**4:40:25**
